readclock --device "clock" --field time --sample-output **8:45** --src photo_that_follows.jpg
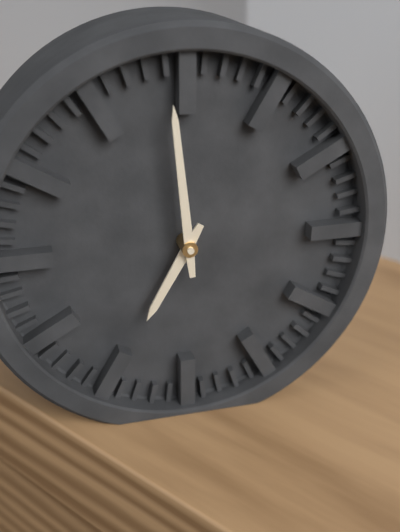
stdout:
**6:59**
